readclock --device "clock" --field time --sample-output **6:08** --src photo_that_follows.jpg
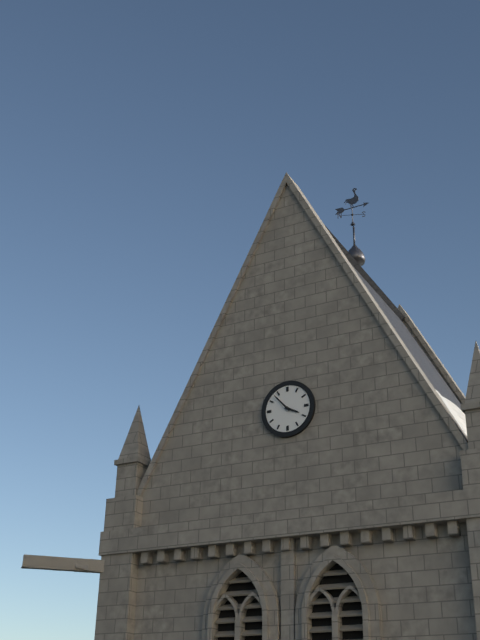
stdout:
**3:53**
